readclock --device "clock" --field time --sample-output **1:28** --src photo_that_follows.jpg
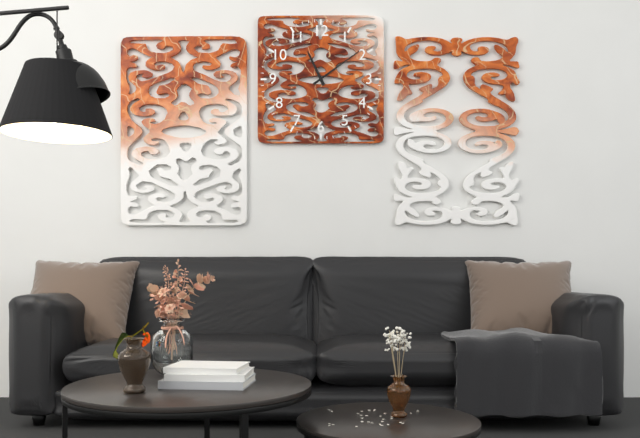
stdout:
**11:09**
